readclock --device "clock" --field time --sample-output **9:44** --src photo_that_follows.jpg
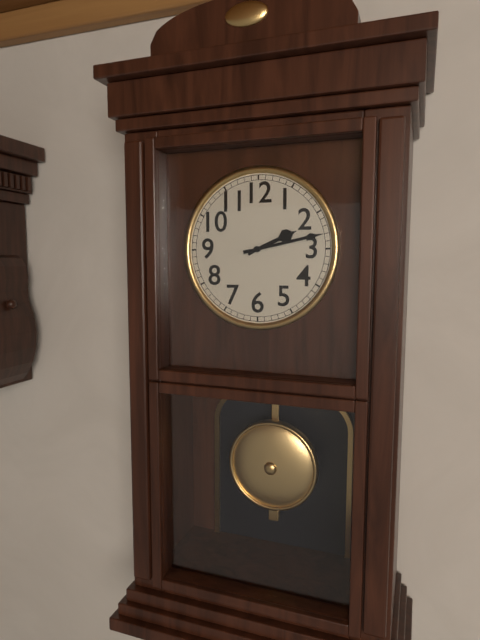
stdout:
**2:13**
